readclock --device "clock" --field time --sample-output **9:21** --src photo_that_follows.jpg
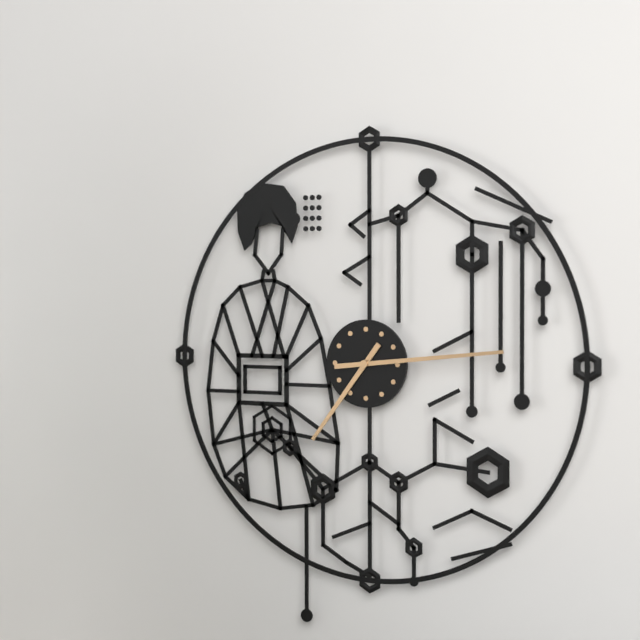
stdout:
**7:14**
